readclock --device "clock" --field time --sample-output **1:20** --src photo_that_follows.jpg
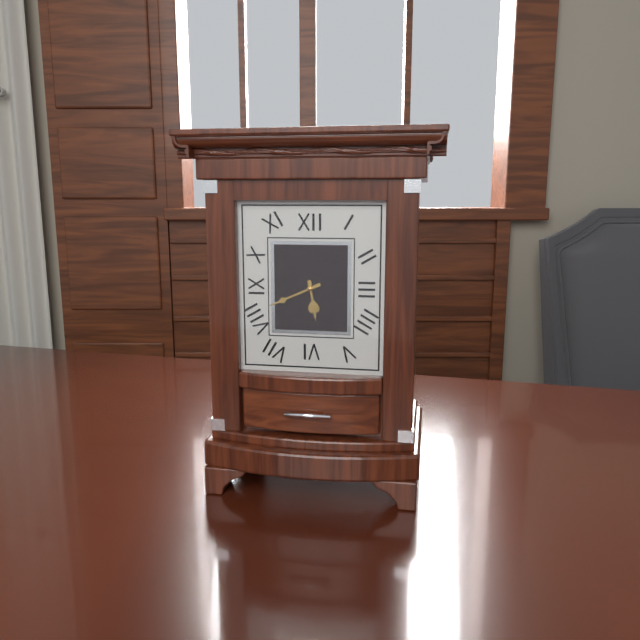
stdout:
**5:41**
